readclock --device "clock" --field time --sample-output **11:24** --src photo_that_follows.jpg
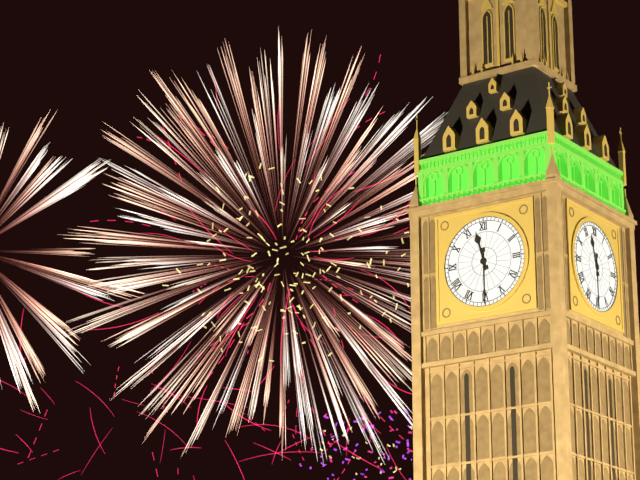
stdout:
**11:30**
